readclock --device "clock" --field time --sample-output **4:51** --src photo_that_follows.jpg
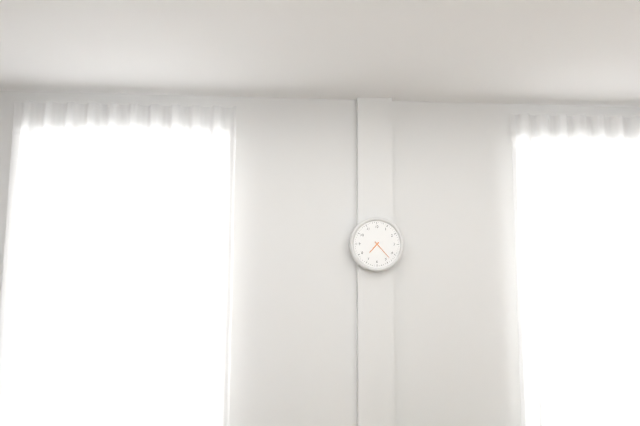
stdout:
**7:23**
